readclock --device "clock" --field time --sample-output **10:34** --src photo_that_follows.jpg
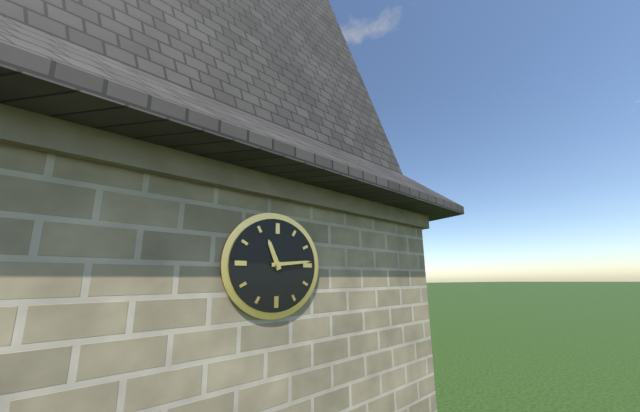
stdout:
**11:14**
